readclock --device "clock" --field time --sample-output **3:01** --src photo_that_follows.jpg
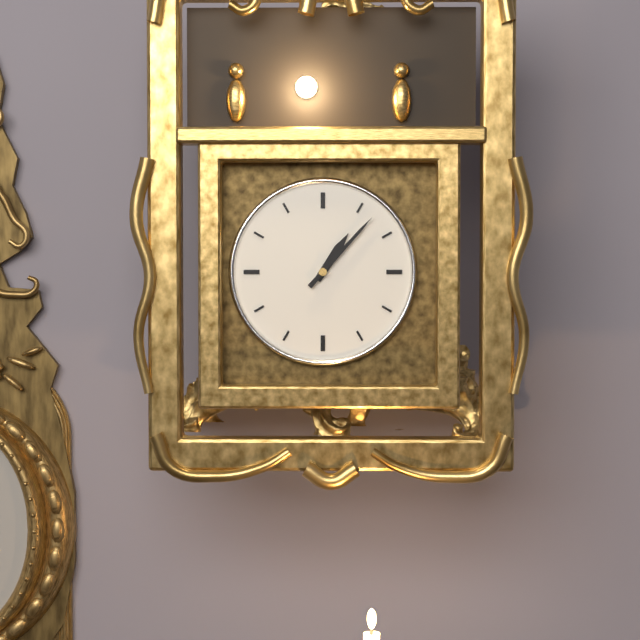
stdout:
**1:07**
